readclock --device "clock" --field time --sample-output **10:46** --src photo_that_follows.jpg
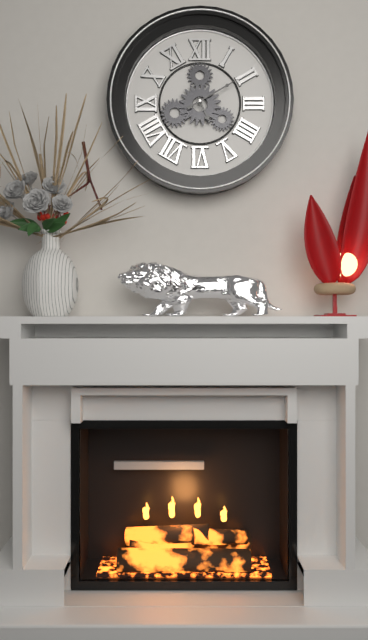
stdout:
**5:10**
